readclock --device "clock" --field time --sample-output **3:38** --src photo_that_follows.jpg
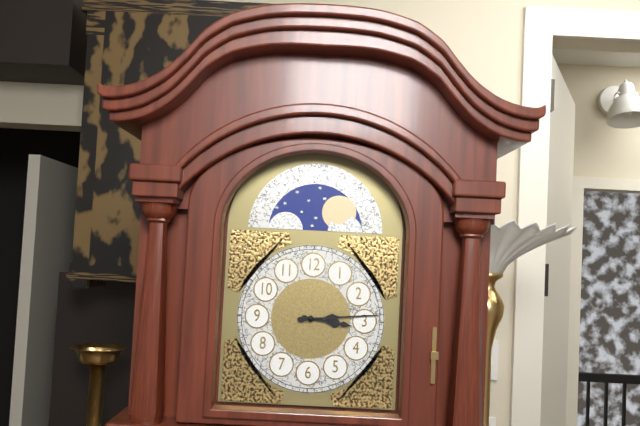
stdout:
**3:14**
